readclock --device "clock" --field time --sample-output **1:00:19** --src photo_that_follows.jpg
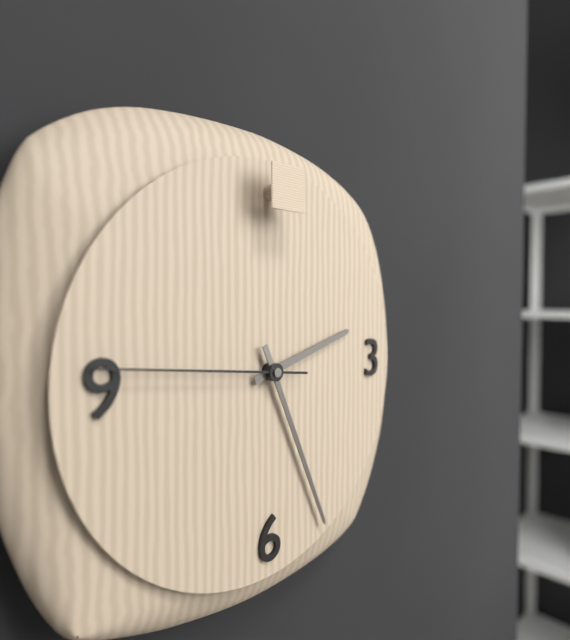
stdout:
**2:26:46**
